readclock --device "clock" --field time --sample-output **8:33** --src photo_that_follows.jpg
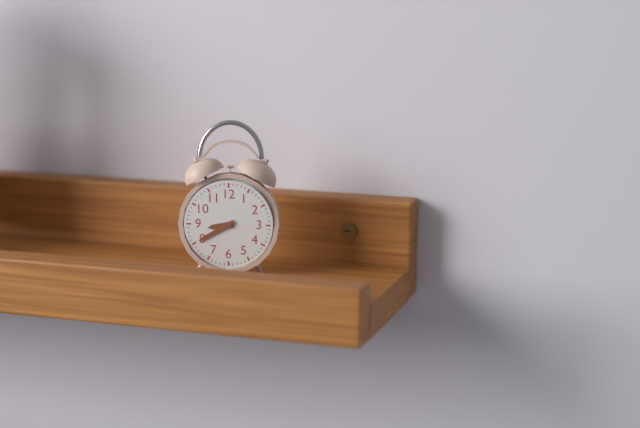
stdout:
**8:40**
